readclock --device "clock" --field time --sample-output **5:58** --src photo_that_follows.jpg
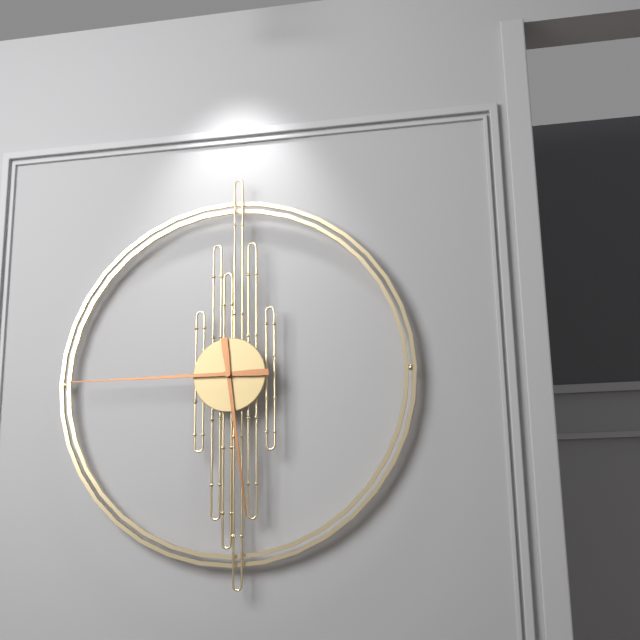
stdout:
**5:45**
